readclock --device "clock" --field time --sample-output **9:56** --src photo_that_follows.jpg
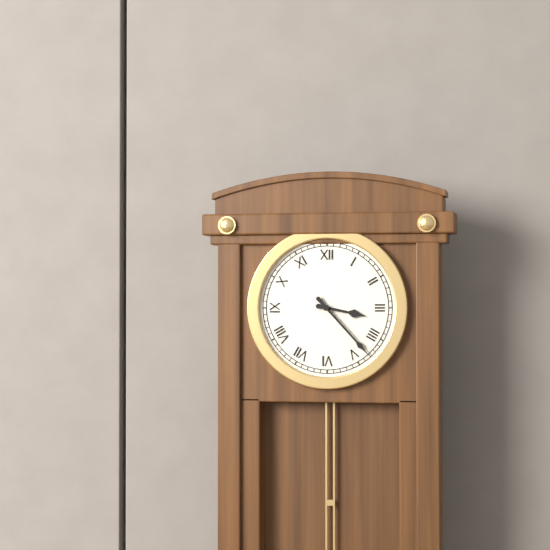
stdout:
**3:23**
